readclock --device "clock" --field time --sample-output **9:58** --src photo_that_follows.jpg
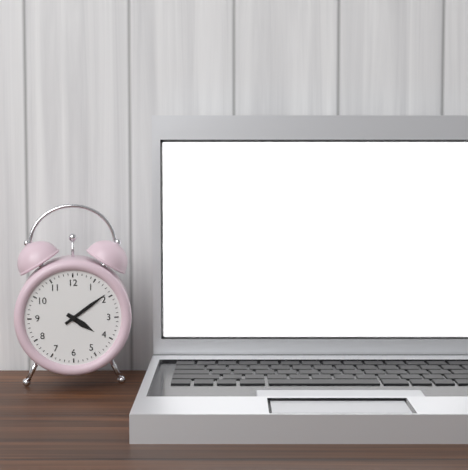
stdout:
**4:09**
